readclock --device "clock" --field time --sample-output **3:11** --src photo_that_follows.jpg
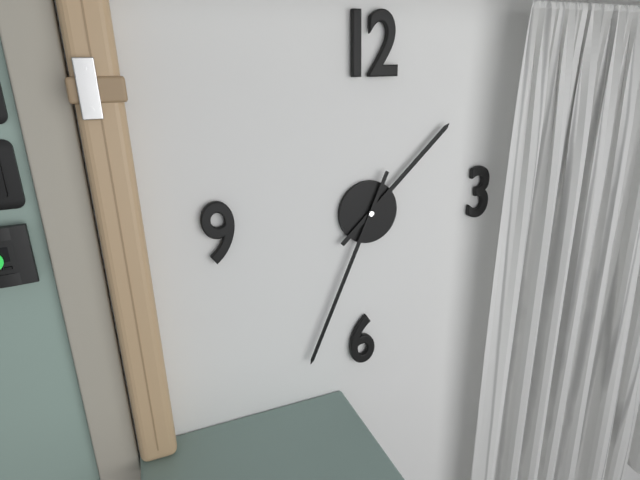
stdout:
**1:34**
